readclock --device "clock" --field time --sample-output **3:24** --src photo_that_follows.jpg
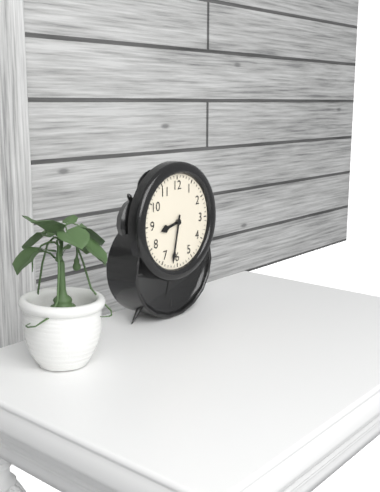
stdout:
**8:32**
